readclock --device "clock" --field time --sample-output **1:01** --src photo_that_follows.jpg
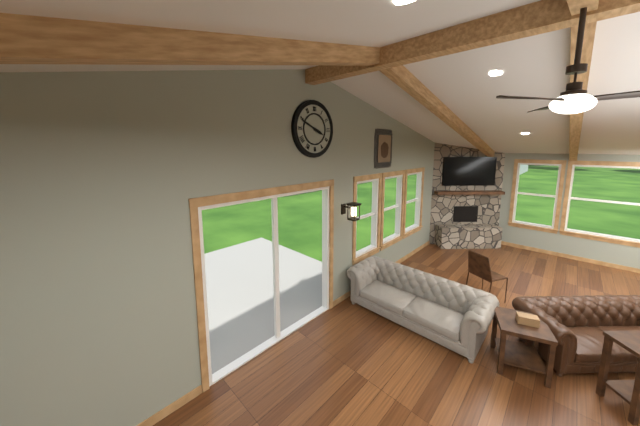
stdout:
**3:49**
